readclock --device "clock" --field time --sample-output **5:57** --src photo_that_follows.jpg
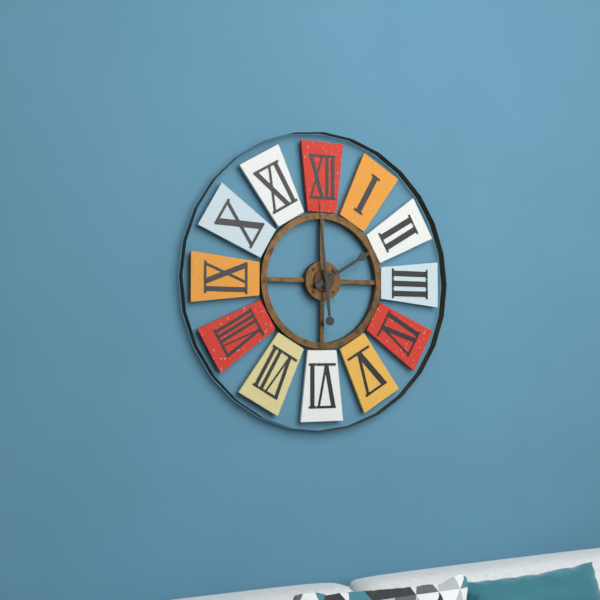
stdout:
**1:59**
